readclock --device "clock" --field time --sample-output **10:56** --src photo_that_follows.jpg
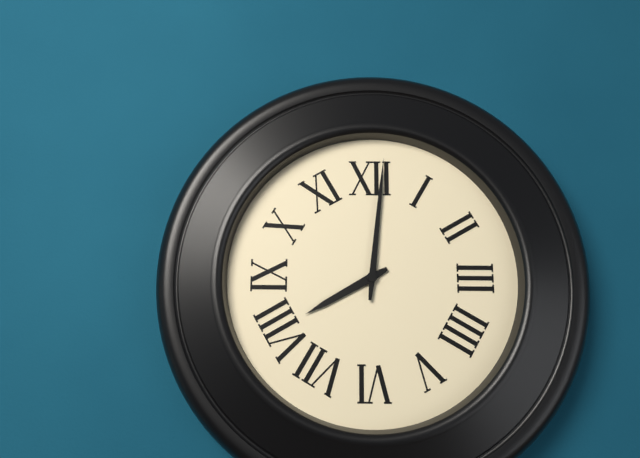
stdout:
**8:01**
